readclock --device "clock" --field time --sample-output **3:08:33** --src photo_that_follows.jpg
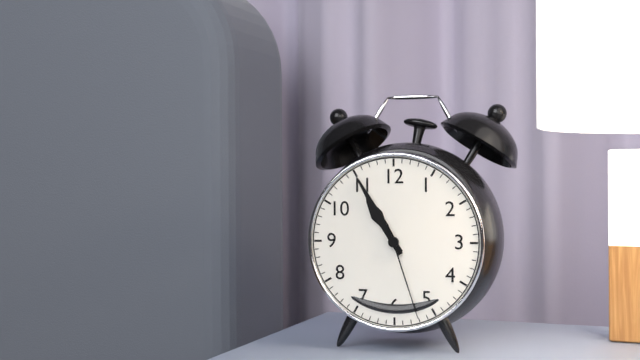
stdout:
**10:55:27**
